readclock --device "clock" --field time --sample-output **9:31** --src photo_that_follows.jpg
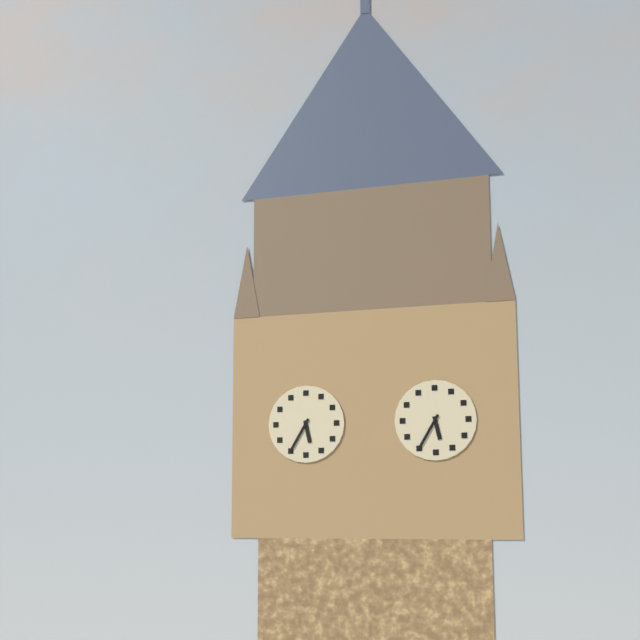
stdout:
**5:35**
